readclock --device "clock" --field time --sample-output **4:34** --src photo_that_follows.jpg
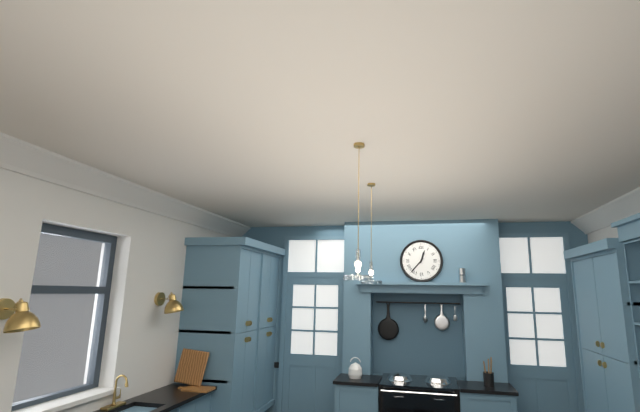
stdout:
**12:37**
